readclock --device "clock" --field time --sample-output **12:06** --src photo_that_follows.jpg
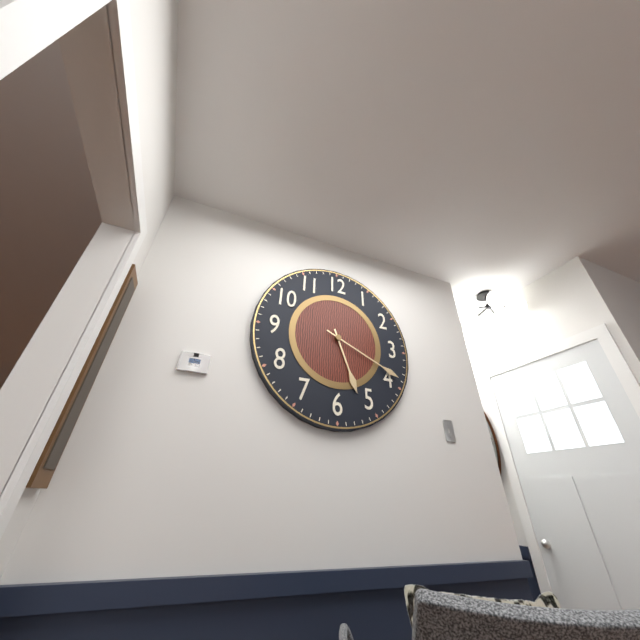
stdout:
**5:19**
